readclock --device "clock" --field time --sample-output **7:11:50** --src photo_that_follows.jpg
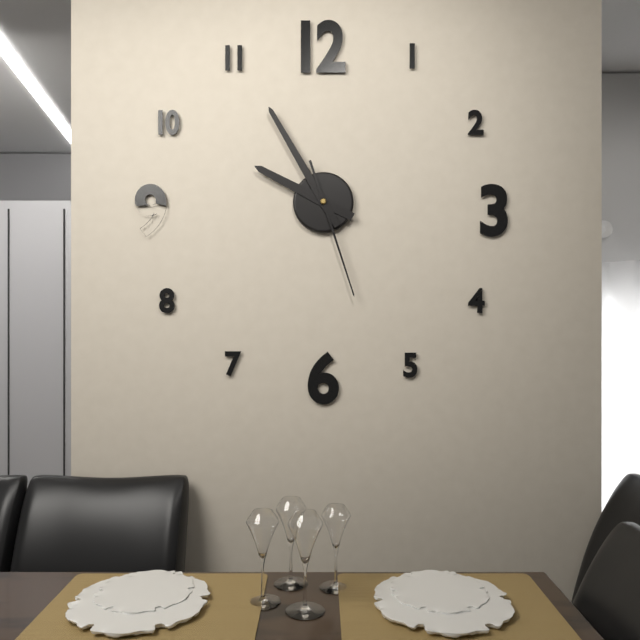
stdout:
**9:55:27**
